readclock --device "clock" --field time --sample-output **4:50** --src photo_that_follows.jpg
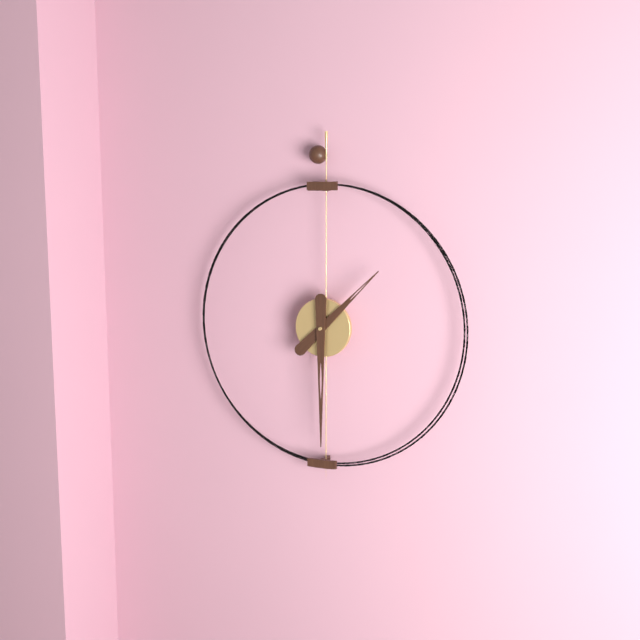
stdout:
**1:30**
